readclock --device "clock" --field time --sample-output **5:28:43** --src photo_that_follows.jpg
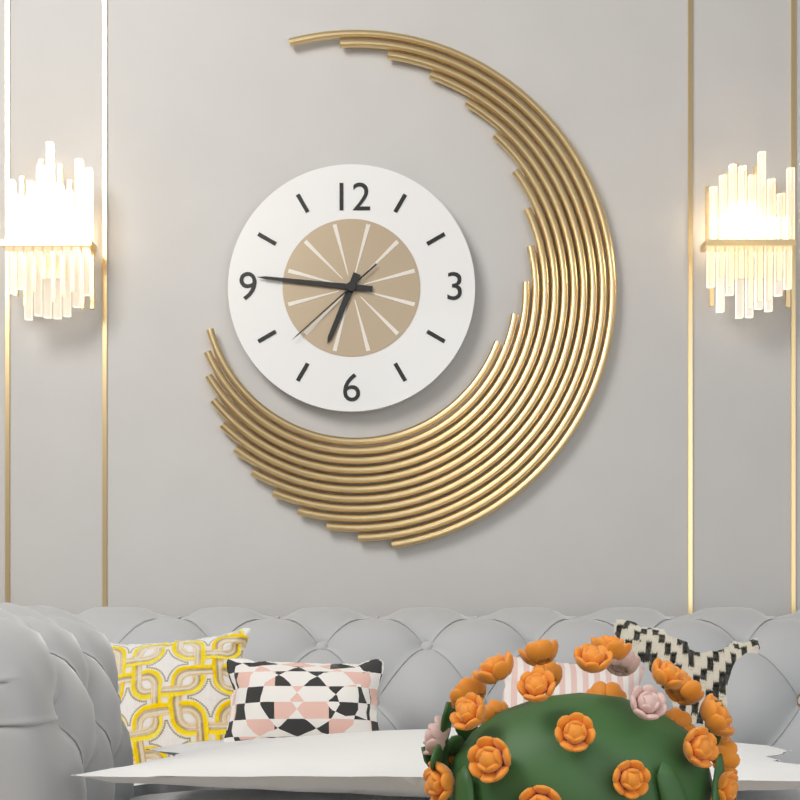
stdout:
**6:46:38**
